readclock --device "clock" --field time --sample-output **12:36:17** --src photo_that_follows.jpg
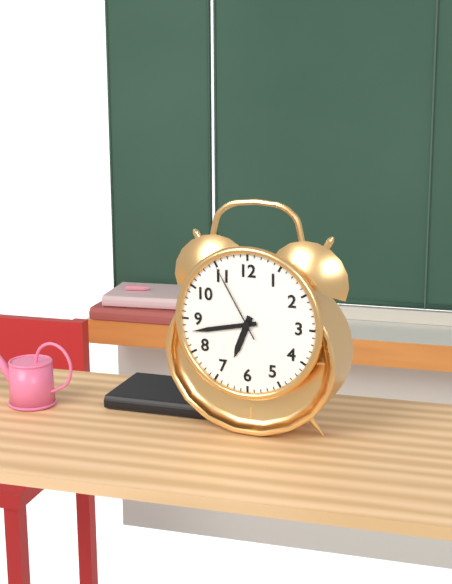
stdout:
**6:43:55**
